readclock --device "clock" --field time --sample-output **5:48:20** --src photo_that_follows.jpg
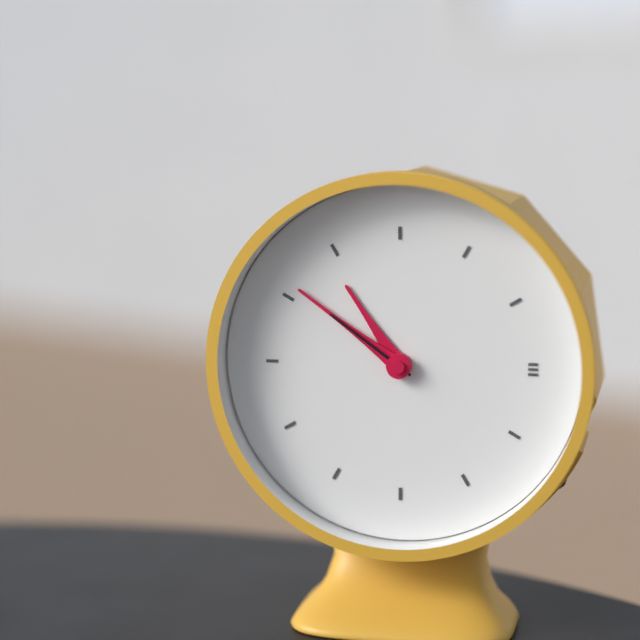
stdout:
**10:51:51**
